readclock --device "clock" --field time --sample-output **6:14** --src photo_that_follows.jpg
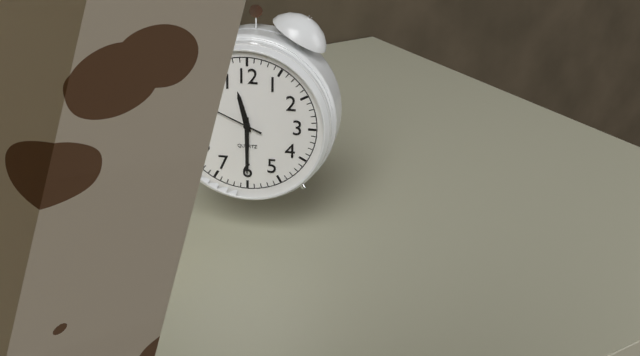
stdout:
**11:30**
